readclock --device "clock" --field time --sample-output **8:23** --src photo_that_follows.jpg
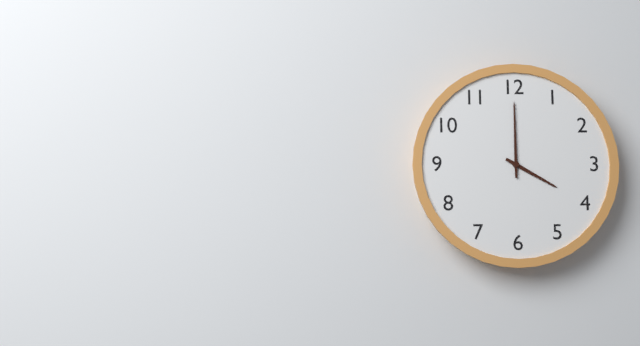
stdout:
**4:00**
